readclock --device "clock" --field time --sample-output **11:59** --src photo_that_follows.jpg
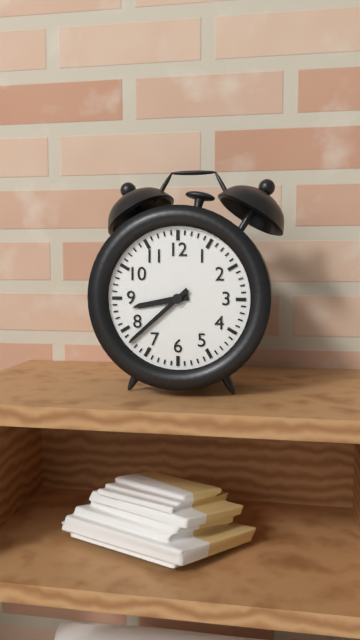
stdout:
**8:38**
